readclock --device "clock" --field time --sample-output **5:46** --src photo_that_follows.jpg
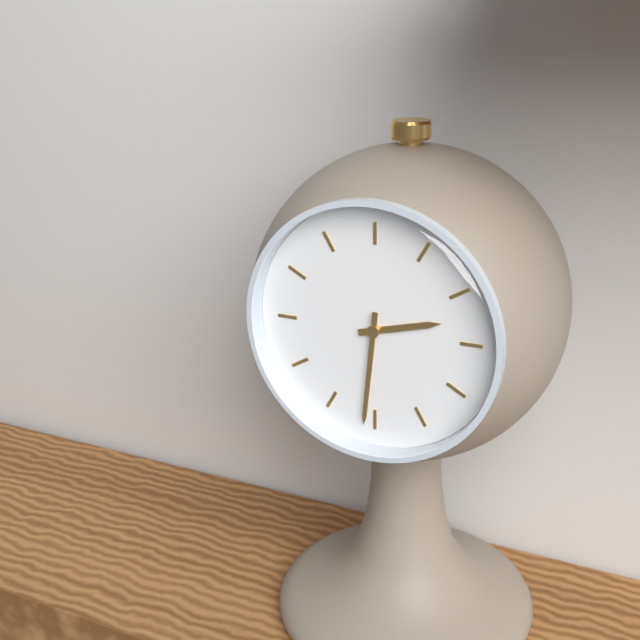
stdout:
**2:31**
